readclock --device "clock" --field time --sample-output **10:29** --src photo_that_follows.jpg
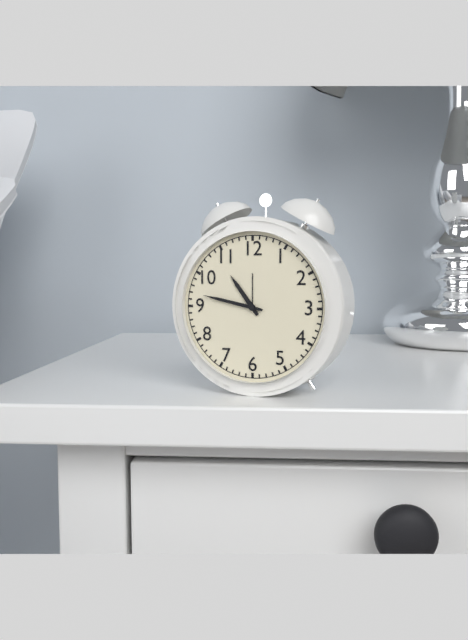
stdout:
**10:47**
